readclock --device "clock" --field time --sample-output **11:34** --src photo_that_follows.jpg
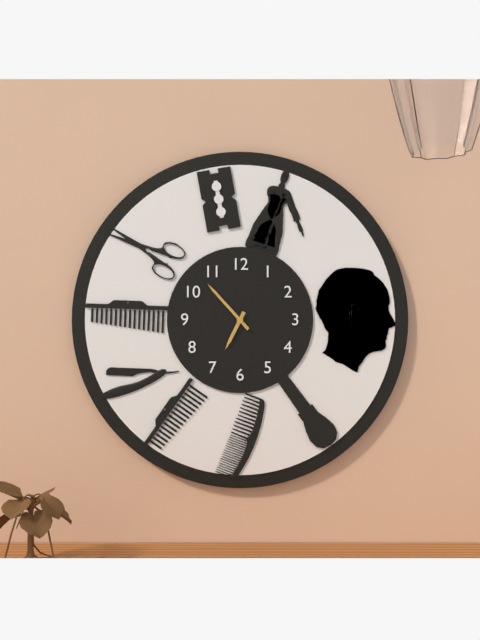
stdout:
**6:53**
